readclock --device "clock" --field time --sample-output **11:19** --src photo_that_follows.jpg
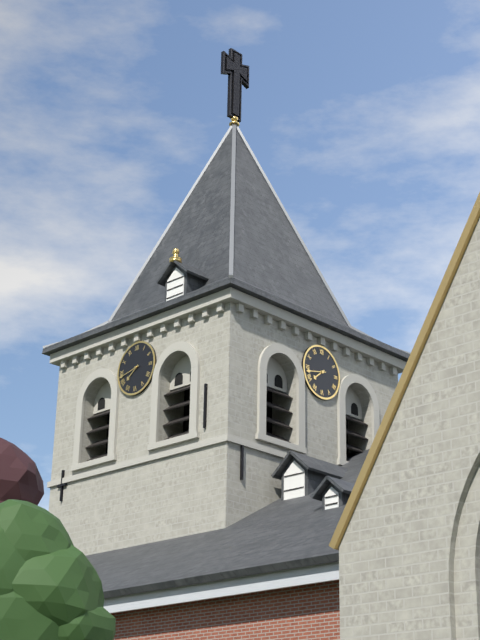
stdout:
**7:43**
